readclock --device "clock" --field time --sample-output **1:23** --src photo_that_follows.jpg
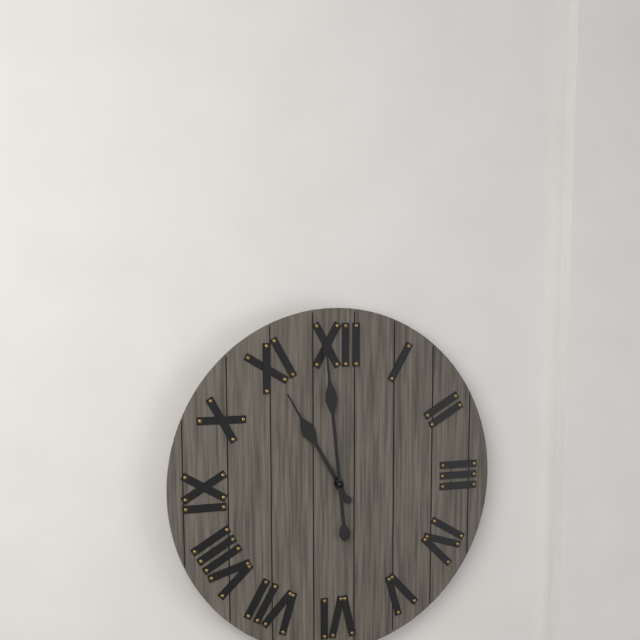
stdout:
**10:59**
